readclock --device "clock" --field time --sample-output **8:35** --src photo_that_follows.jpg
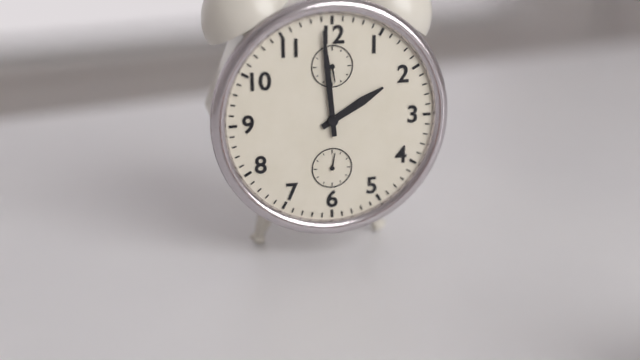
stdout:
**1:59**
